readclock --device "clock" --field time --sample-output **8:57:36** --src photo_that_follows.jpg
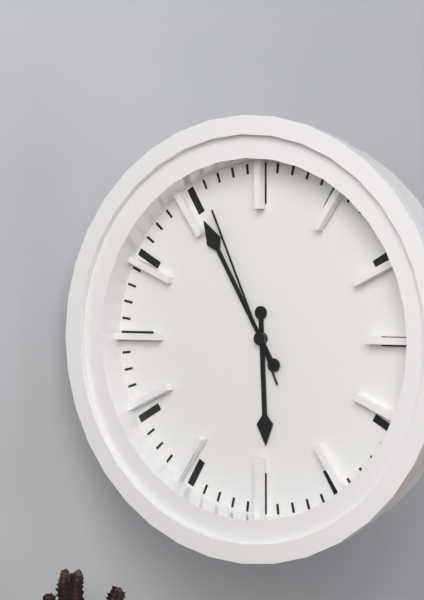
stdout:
**5:55:56**
